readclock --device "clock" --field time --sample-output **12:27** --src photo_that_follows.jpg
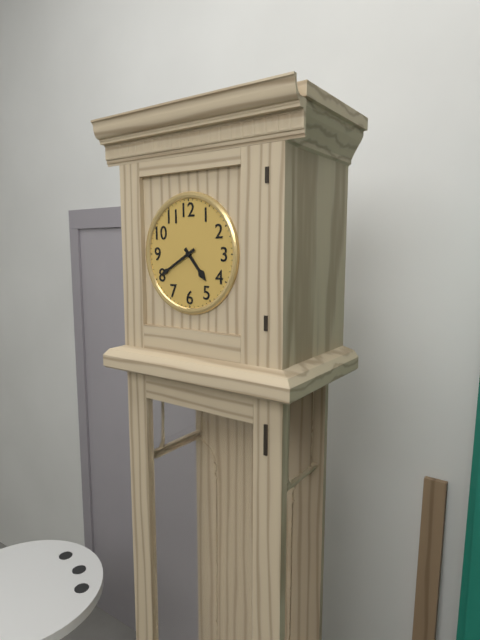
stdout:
**4:40**
